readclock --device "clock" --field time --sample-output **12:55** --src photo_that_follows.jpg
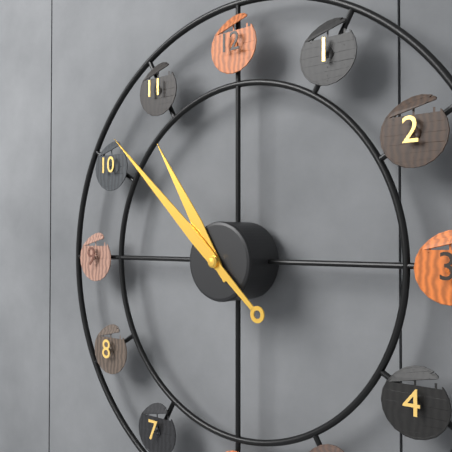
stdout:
**10:52**
